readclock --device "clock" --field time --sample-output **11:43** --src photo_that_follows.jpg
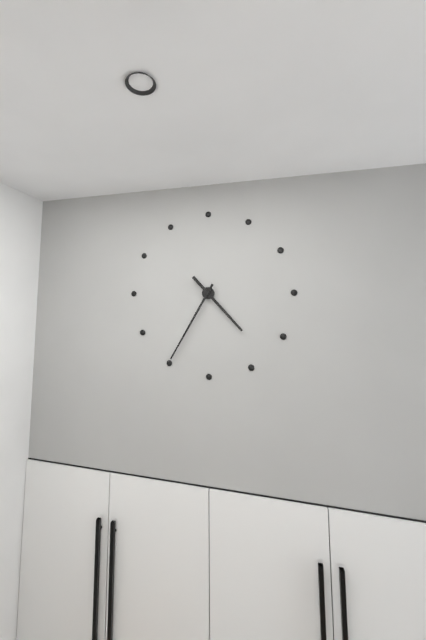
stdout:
**4:35**
